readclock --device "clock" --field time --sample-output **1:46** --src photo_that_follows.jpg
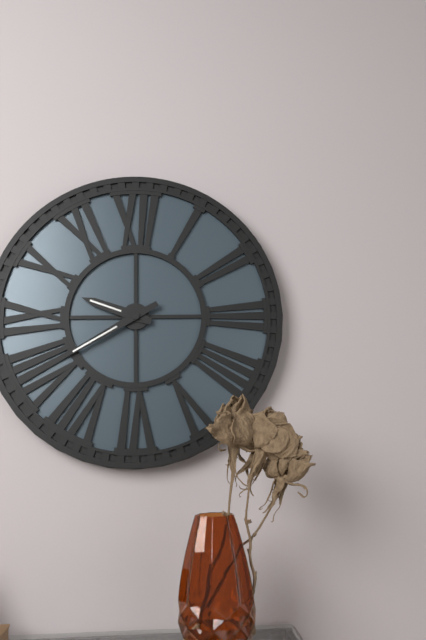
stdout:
**9:40**
